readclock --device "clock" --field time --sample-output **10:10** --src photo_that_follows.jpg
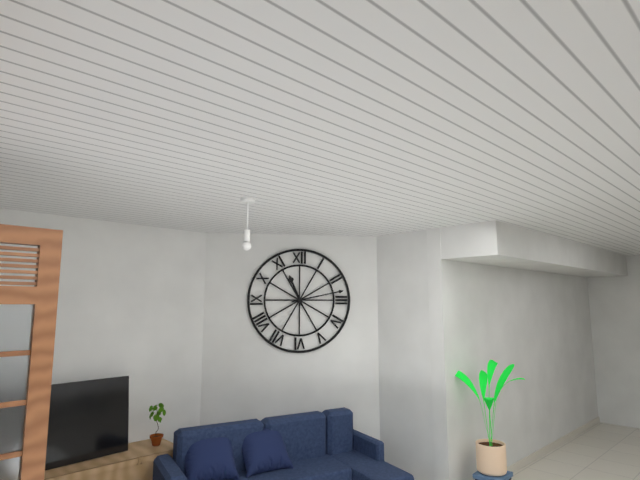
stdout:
**11:13**
